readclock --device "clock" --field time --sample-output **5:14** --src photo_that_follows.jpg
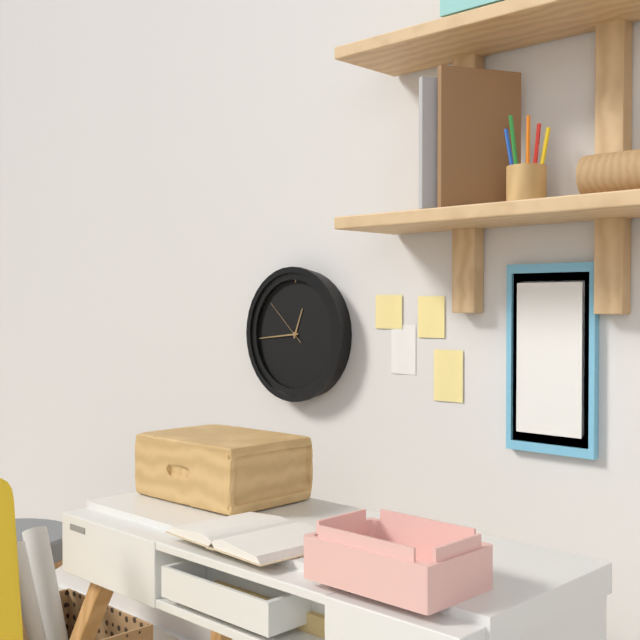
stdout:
**12:44**
